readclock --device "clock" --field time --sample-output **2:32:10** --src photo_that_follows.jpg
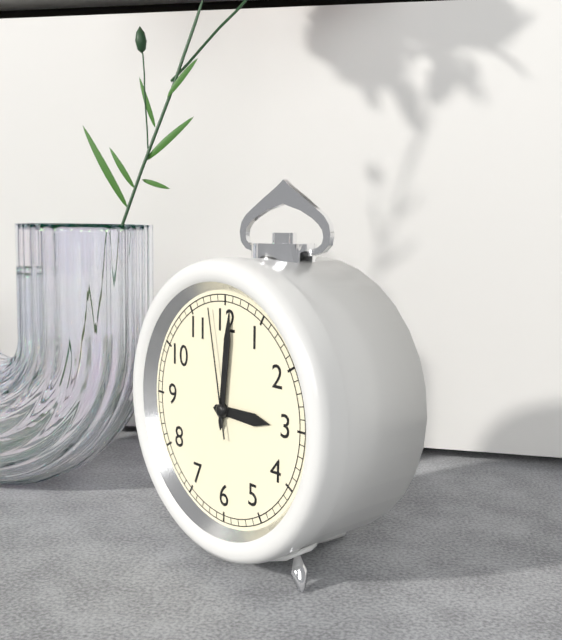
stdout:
**3:01:58**
